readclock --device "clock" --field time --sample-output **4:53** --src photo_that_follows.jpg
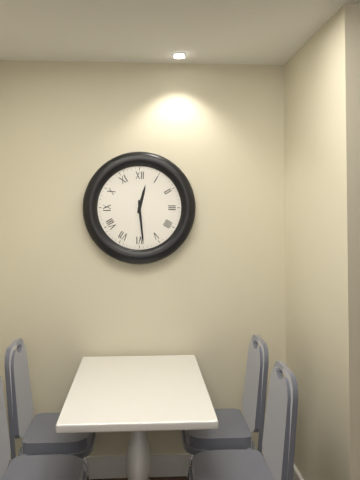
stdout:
**12:29**
